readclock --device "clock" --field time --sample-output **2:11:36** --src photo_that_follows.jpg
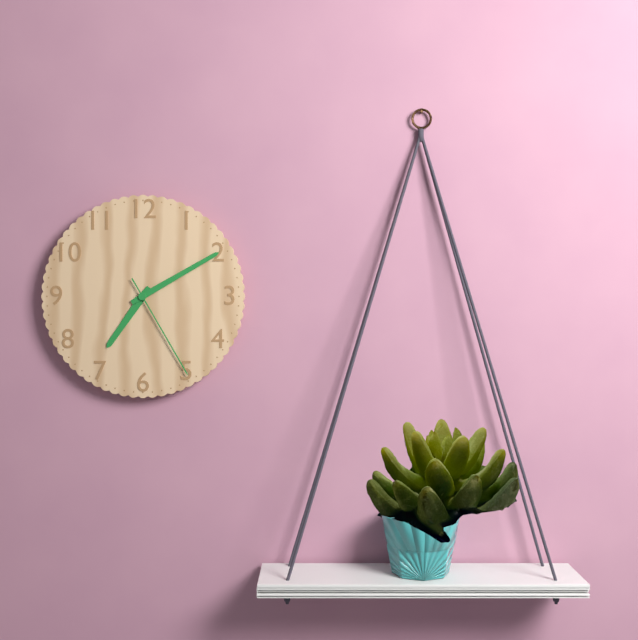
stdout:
**7:10:25**
